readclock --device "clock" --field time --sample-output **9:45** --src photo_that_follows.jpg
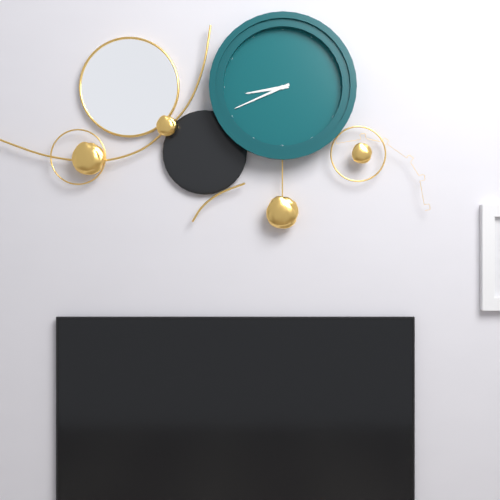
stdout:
**8:41**
